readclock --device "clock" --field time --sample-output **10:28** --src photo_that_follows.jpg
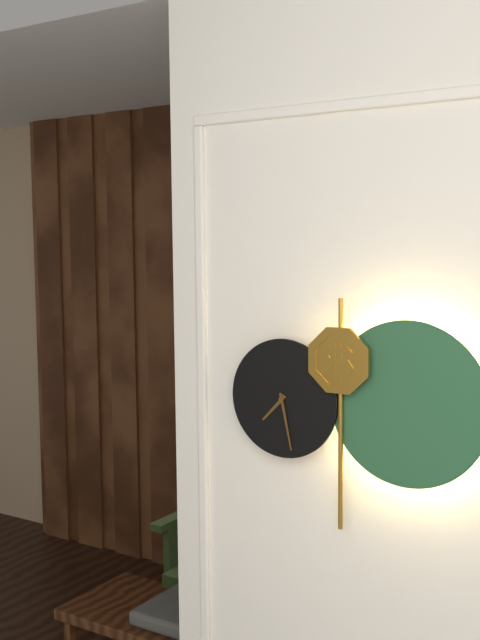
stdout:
**7:28**
